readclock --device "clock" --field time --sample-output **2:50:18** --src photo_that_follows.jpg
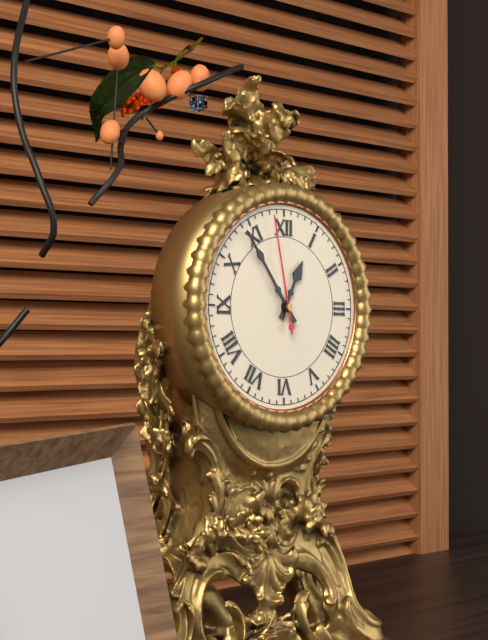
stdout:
**12:54:58**
